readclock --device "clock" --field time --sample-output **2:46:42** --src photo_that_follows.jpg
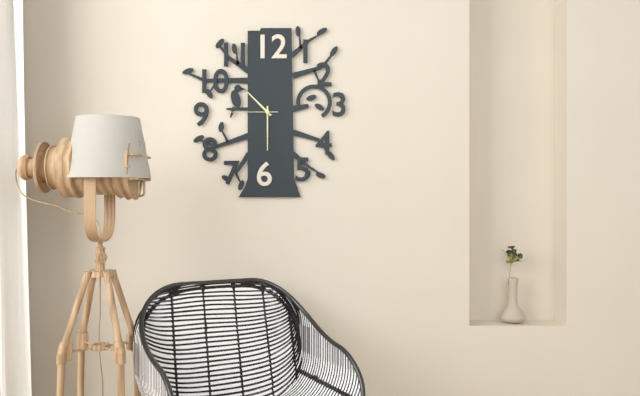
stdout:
**10:30:45**
